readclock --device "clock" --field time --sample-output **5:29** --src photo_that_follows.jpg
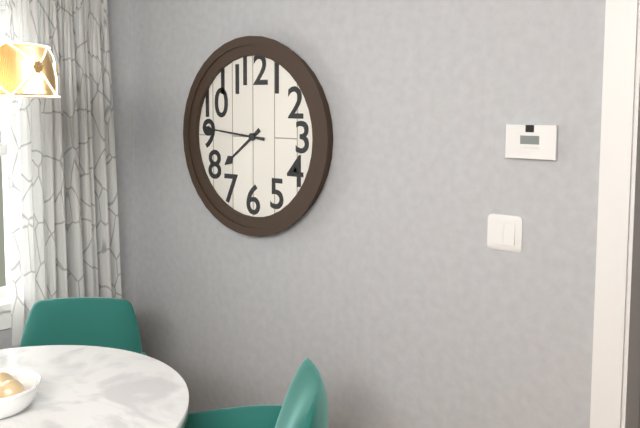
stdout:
**7:46**
